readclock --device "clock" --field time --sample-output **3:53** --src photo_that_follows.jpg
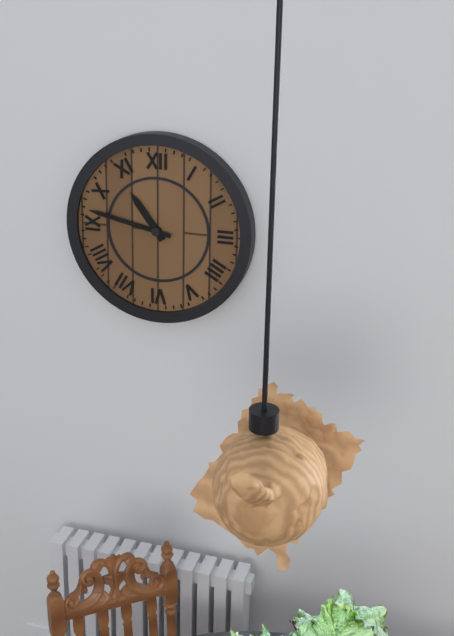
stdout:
**10:47**
